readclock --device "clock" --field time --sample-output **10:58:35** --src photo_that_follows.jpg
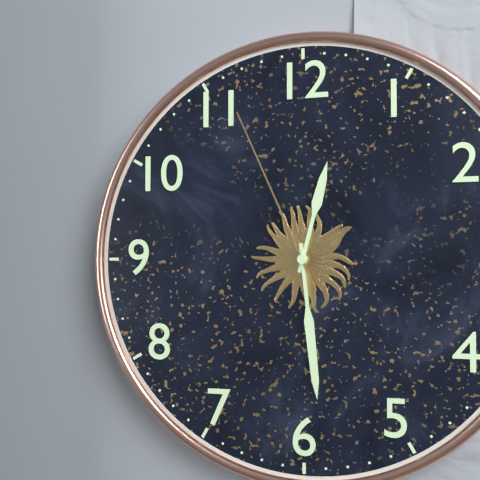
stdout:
**12:29:56**
